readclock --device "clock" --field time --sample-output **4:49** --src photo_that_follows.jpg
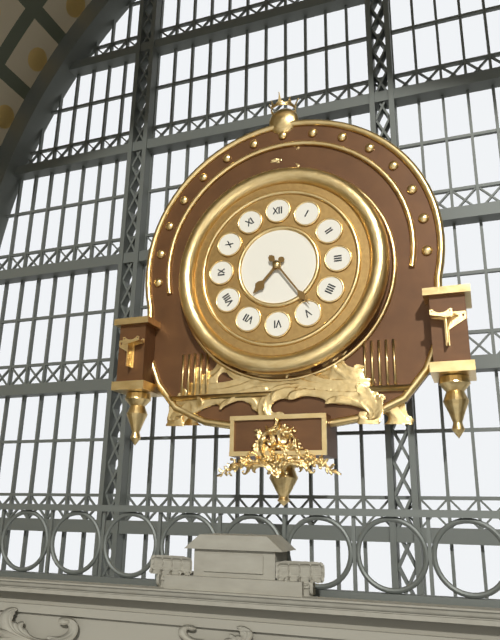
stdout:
**7:24**
